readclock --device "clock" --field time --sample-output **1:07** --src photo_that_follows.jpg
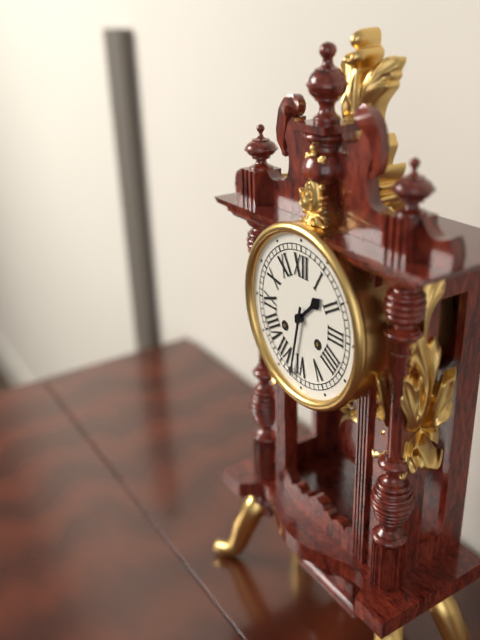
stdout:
**1:32**
